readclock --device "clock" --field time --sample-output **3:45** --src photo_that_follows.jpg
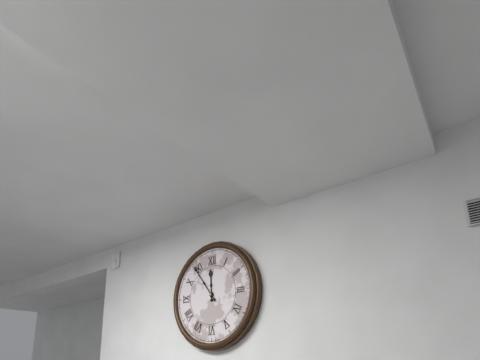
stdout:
**11:54**
